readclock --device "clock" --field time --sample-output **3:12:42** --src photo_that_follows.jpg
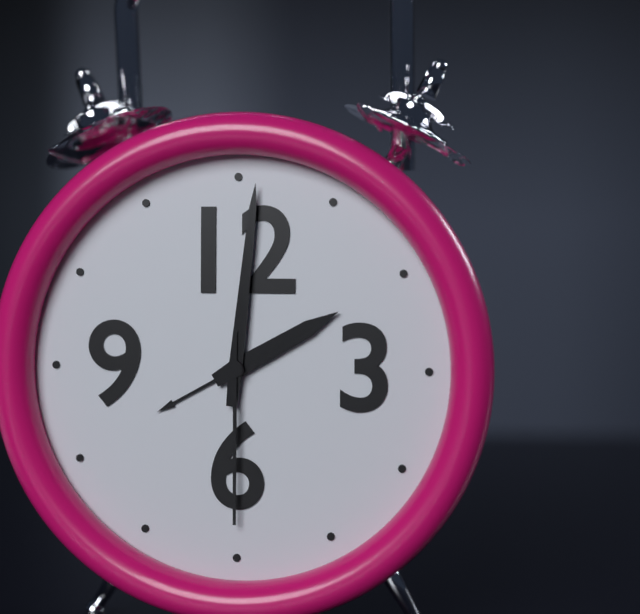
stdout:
**2:01:30**
